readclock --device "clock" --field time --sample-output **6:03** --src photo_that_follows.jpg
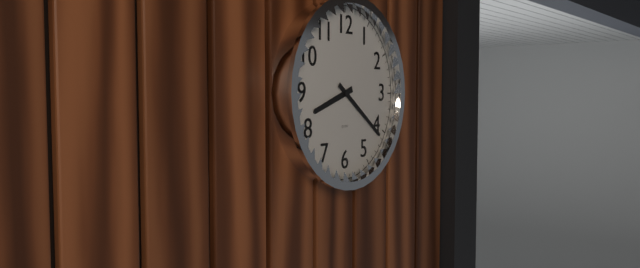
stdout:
**8:21**
